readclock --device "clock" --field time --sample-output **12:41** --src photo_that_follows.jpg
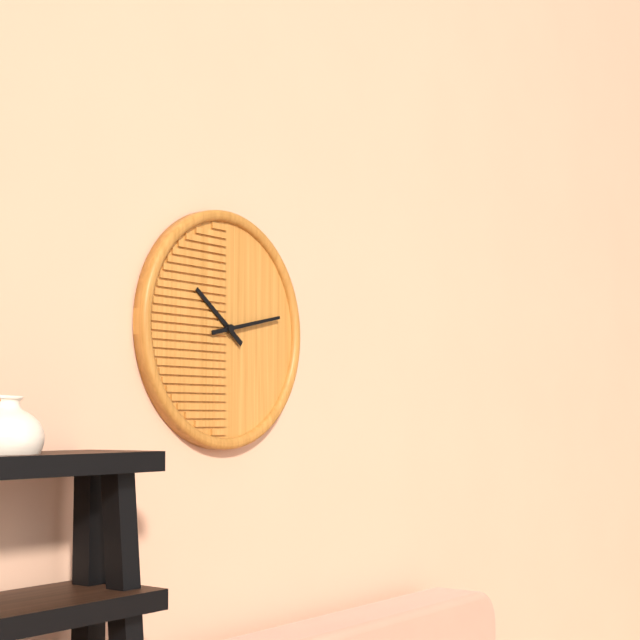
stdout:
**10:13**
